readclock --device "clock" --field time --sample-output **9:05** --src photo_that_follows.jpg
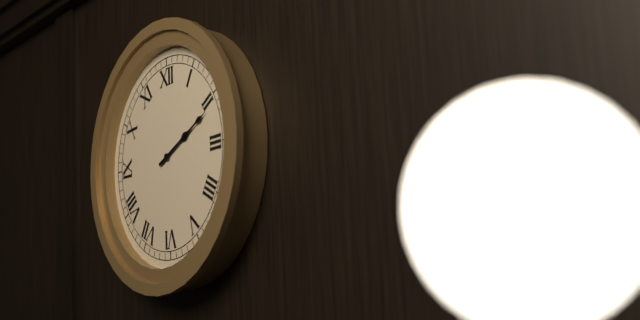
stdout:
**2:11**
